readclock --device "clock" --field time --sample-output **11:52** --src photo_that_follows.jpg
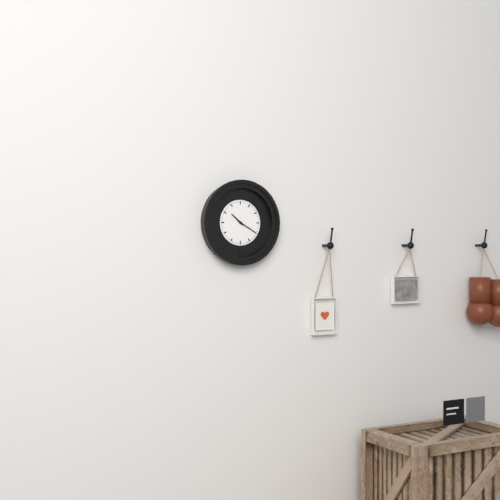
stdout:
**10:20**
